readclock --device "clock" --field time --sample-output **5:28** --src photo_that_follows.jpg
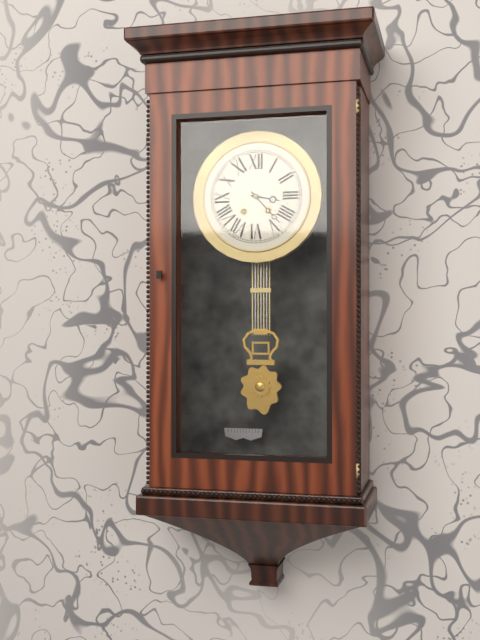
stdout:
**3:23**
